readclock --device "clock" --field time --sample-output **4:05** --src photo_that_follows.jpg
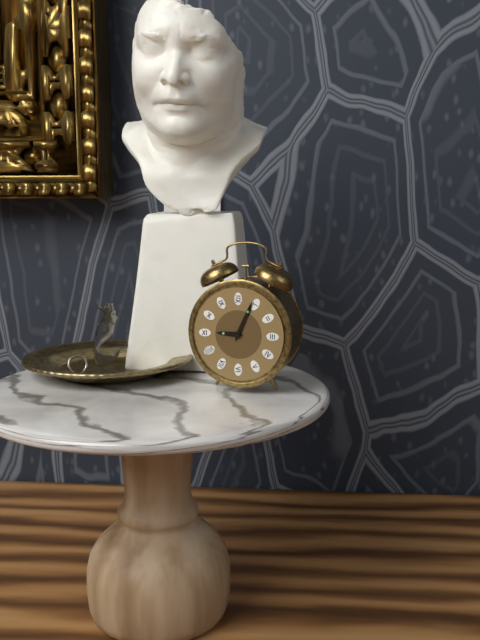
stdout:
**9:04**
